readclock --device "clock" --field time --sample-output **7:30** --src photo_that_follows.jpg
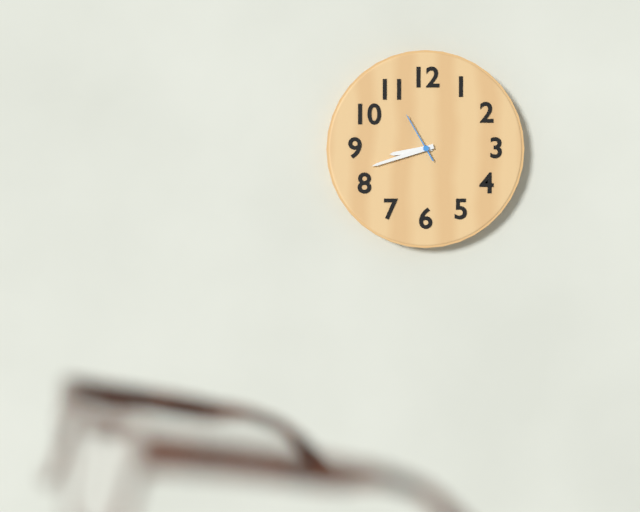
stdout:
**8:42**
